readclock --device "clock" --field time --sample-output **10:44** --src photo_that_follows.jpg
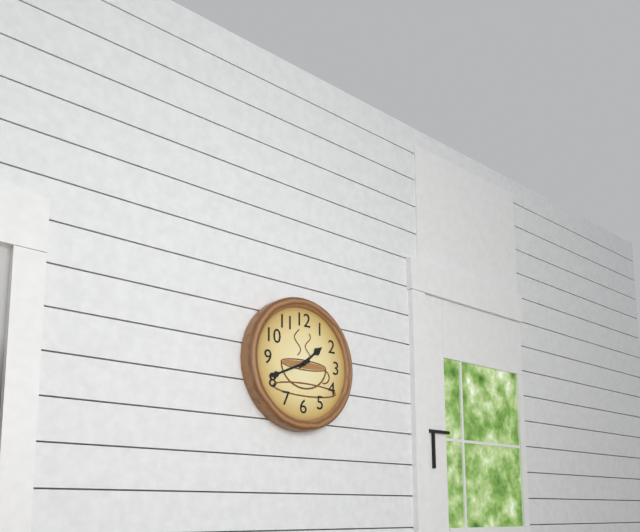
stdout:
**1:41**
